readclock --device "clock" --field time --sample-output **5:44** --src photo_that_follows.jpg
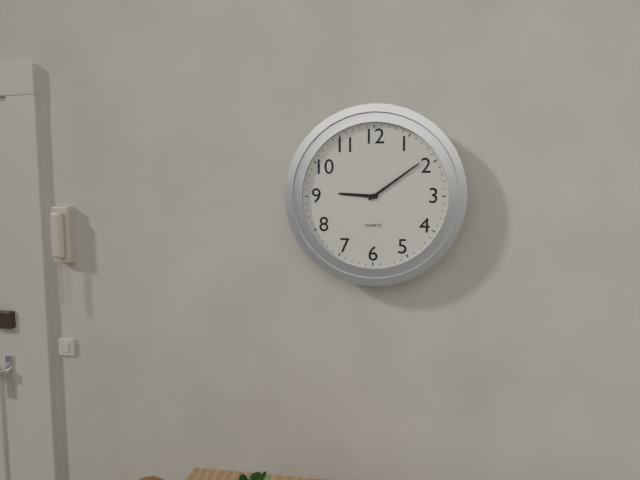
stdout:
**9:09**
